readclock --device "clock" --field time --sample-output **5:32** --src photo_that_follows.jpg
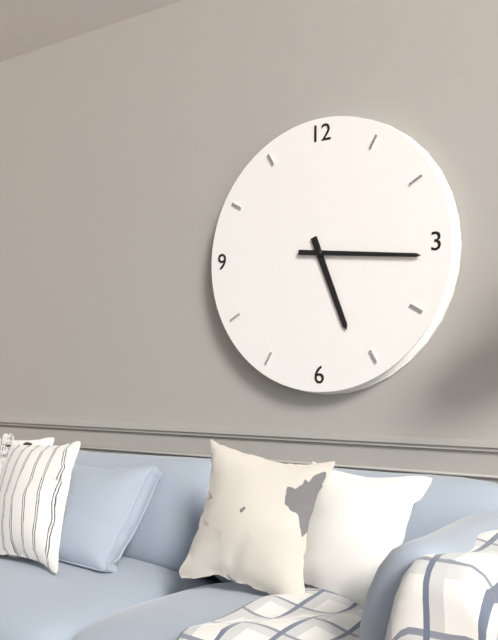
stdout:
**5:16**
